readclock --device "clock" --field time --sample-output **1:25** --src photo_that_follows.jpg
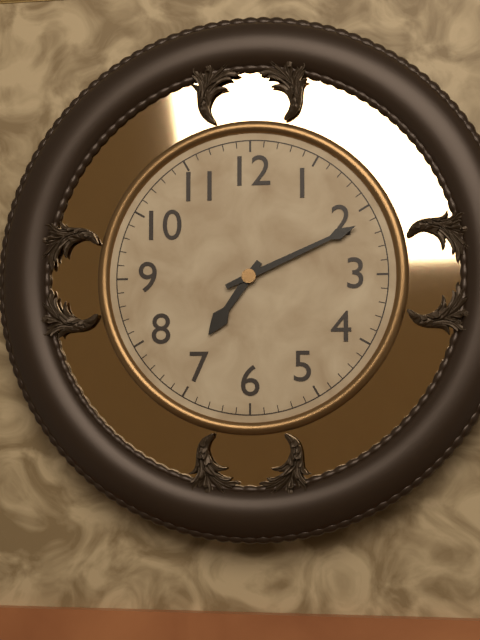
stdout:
**7:11**
